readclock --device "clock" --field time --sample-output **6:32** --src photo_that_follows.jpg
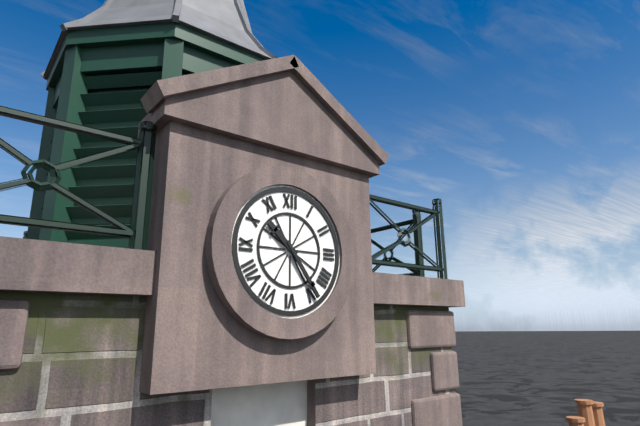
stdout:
**10:24**
